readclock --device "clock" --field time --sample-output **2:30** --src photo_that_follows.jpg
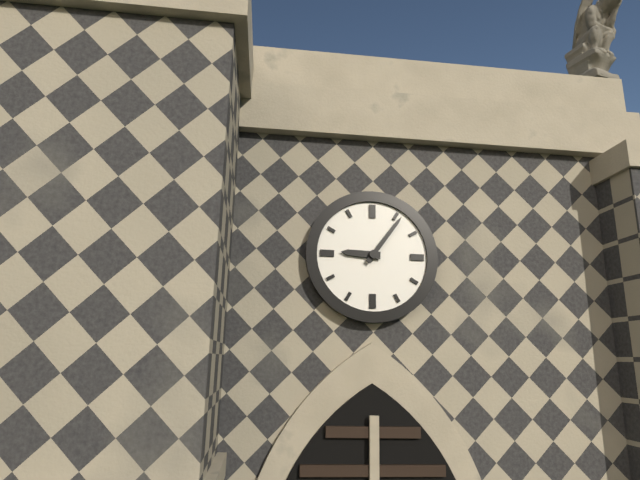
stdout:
**9:06**
